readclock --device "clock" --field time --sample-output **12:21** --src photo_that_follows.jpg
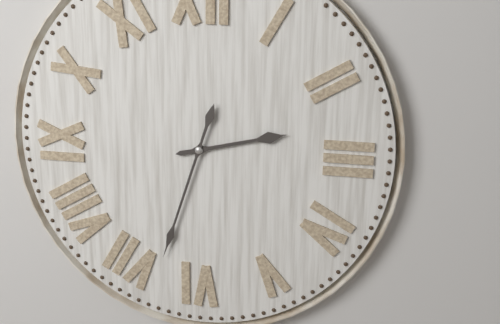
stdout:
**2:33**
